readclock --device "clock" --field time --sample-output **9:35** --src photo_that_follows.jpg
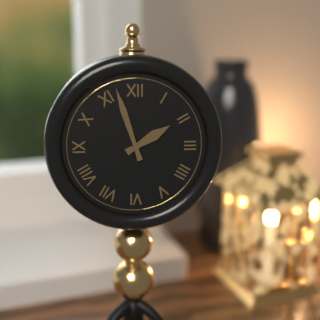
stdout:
**1:57**
